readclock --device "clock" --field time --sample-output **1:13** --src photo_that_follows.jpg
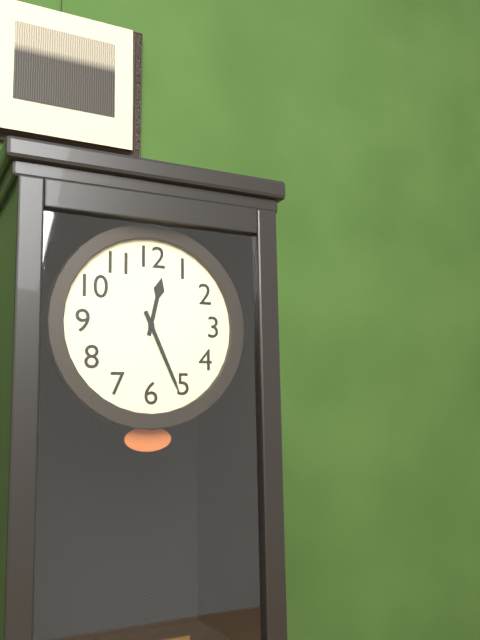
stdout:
**12:26**
